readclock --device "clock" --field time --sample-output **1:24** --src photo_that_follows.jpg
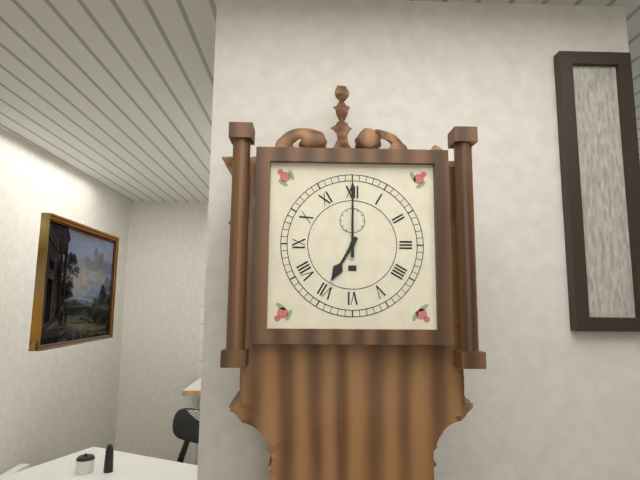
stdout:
**7:00**
